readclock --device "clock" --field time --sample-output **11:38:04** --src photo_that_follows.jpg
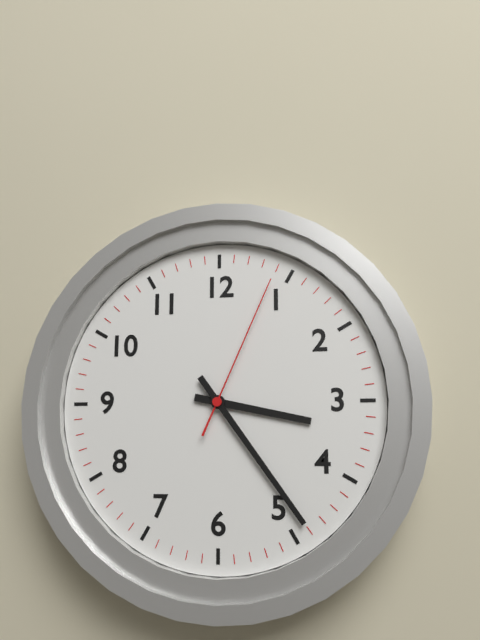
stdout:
**3:24:04**
